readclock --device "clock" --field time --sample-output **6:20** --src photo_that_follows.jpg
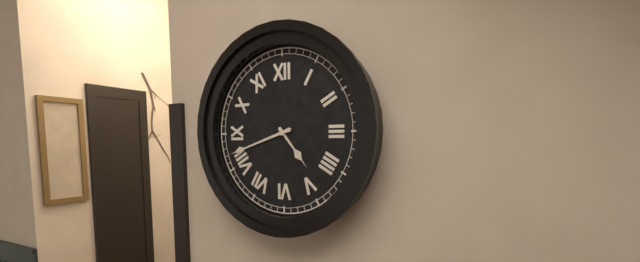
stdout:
**4:42**
